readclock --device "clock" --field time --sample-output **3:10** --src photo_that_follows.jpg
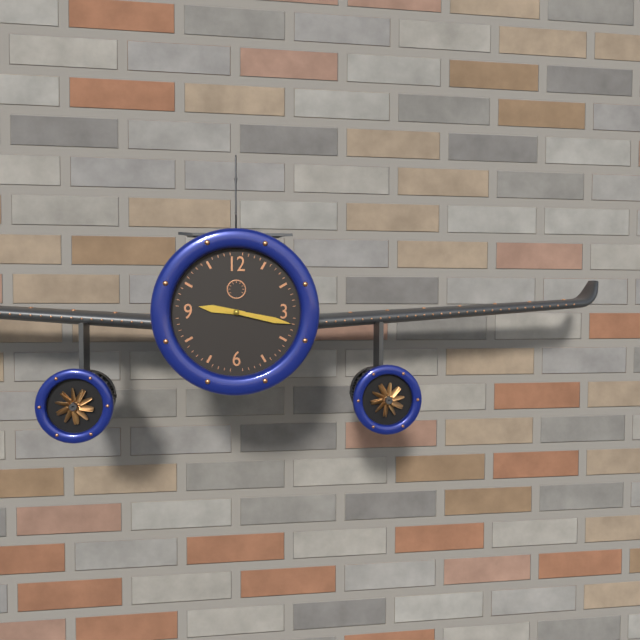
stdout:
**9:17**
